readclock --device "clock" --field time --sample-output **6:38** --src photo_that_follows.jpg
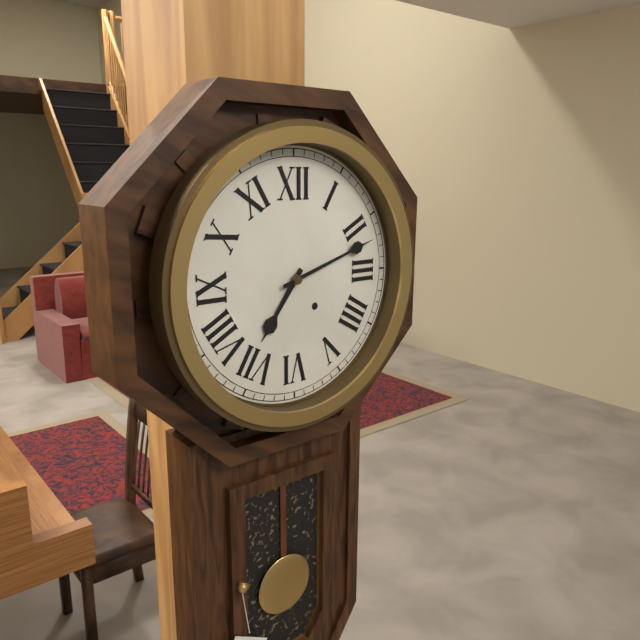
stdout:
**7:12**
